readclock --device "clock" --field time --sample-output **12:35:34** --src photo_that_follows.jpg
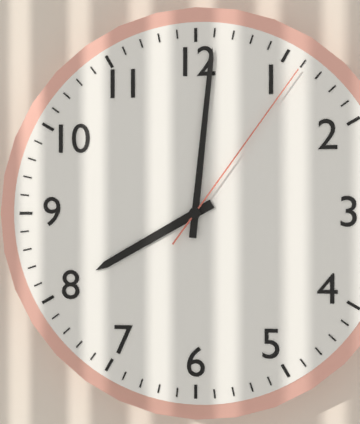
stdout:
**8:01:06**
